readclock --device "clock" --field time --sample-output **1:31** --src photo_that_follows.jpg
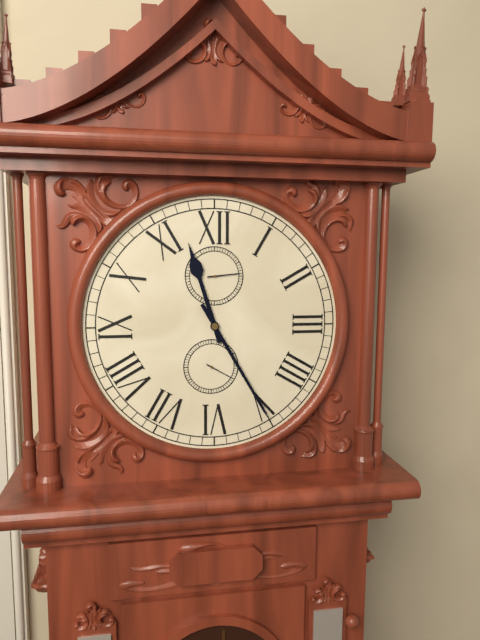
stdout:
**11:25**
